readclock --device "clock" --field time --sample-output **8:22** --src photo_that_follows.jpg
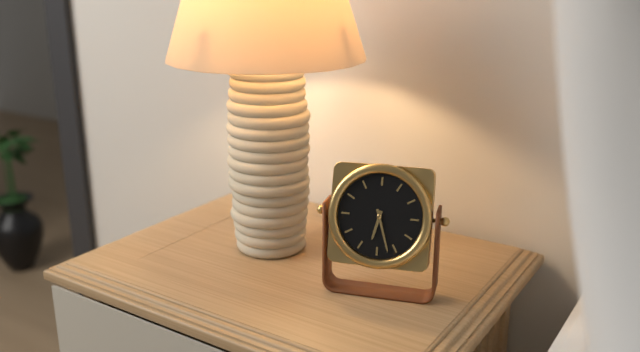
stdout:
**6:27**
